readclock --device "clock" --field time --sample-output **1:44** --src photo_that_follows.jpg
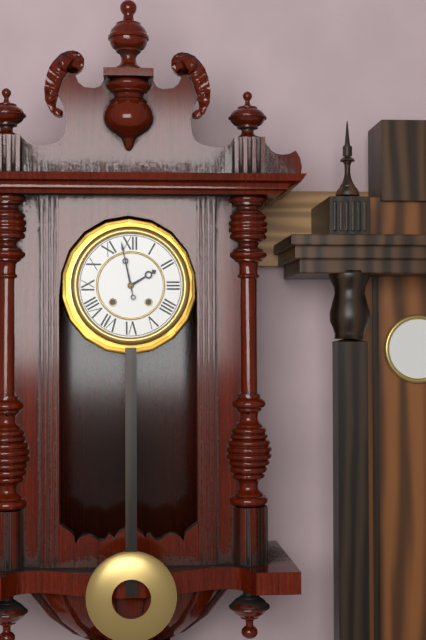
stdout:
**1:58**
